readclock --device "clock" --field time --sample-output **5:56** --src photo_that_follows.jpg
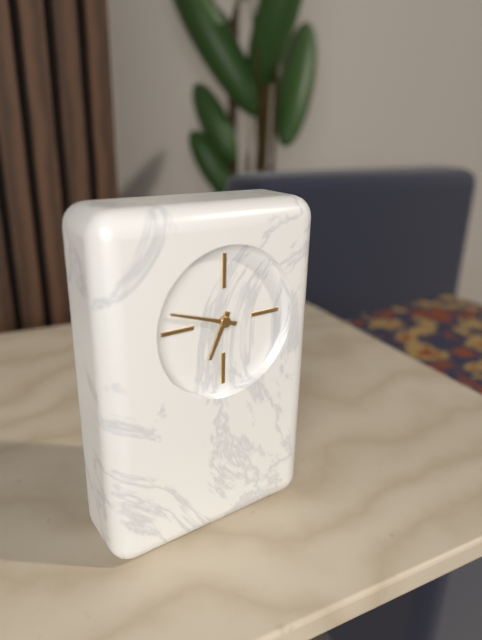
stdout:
**6:48**
